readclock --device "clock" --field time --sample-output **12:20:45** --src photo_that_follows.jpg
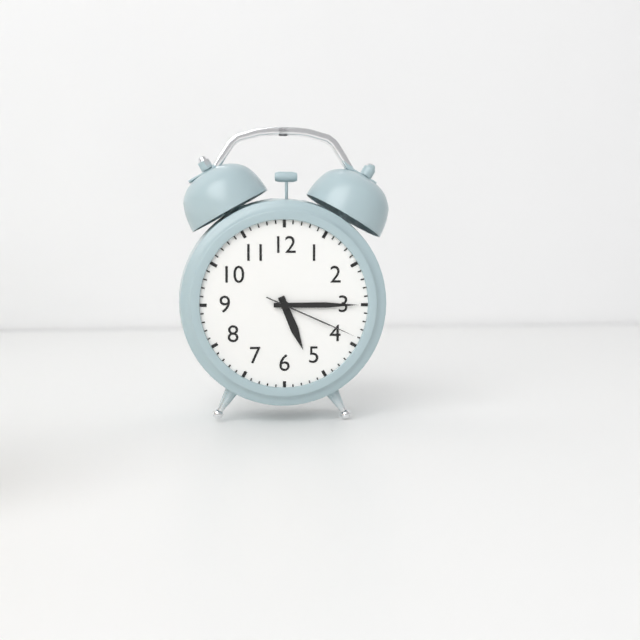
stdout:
**5:15:19**
